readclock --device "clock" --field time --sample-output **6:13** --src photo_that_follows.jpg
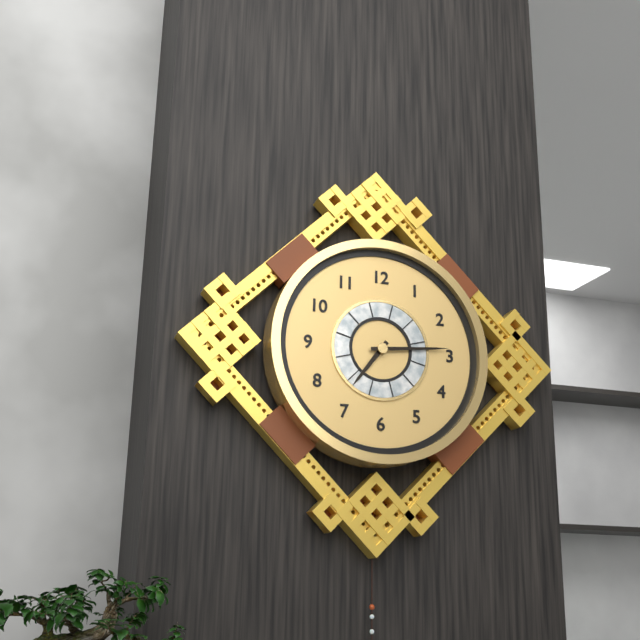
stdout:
**7:14**
